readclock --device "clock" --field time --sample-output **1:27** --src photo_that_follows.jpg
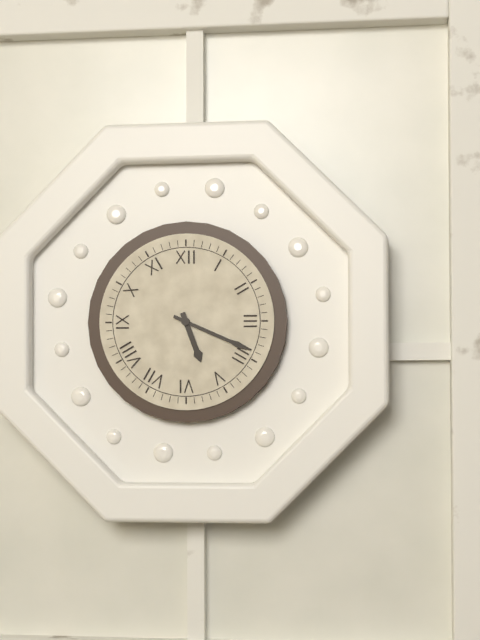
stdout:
**5:19**
